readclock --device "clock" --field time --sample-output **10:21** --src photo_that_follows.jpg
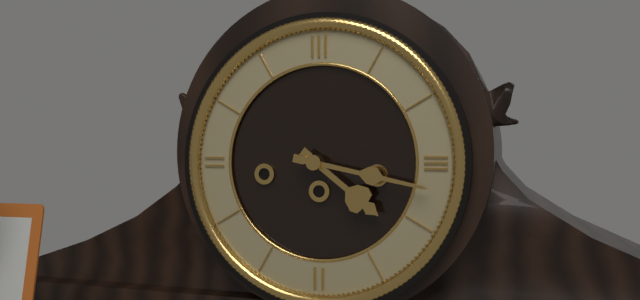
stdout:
**4:17**
